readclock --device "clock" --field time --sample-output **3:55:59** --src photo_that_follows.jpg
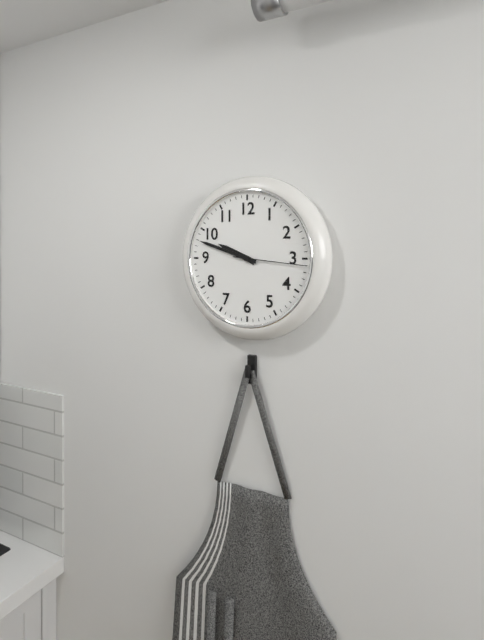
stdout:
**9:48:16**
